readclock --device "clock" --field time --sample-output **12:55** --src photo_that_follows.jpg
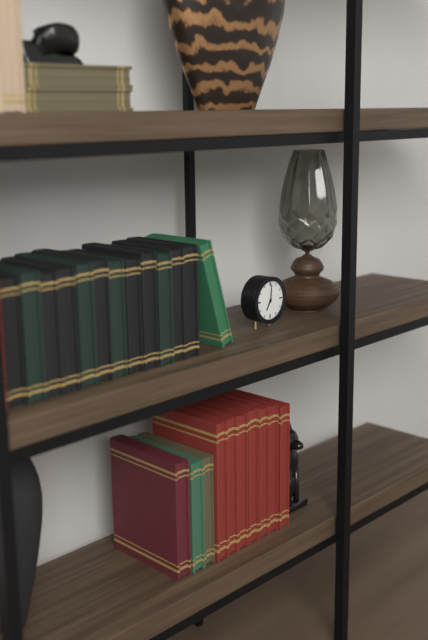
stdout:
**7:01**
